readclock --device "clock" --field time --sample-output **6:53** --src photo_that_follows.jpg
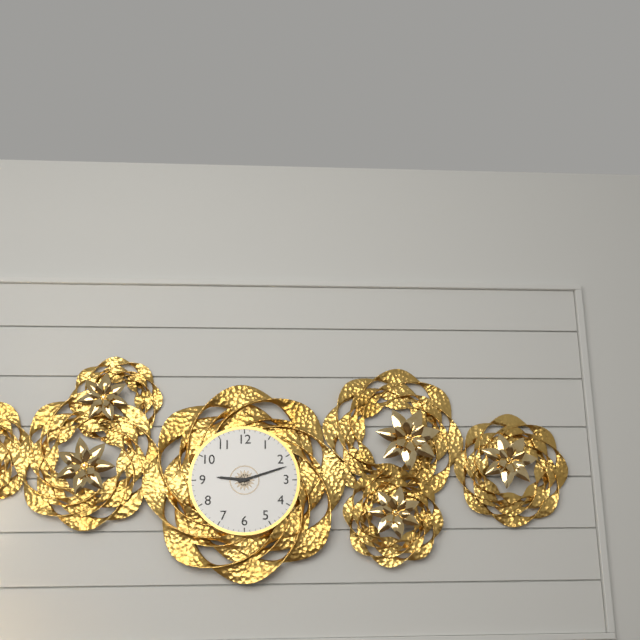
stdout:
**9:12**
